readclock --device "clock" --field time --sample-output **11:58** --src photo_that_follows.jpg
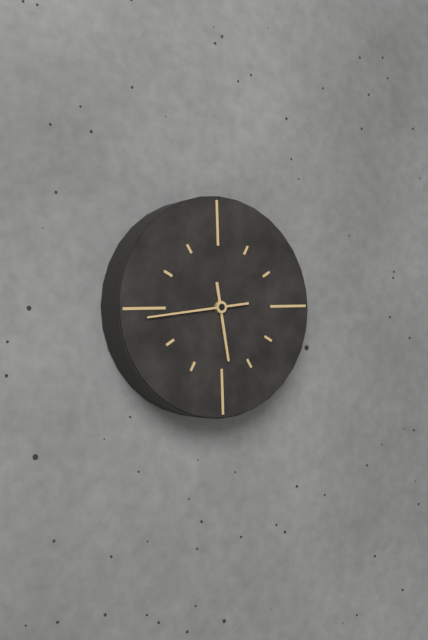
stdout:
**5:44**
